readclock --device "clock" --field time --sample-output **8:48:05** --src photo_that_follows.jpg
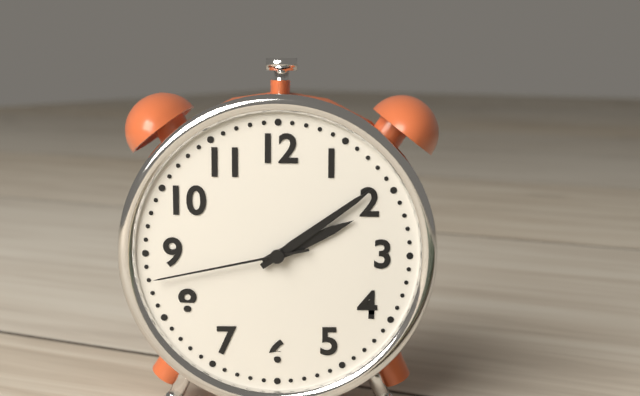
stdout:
**2:09:43**
